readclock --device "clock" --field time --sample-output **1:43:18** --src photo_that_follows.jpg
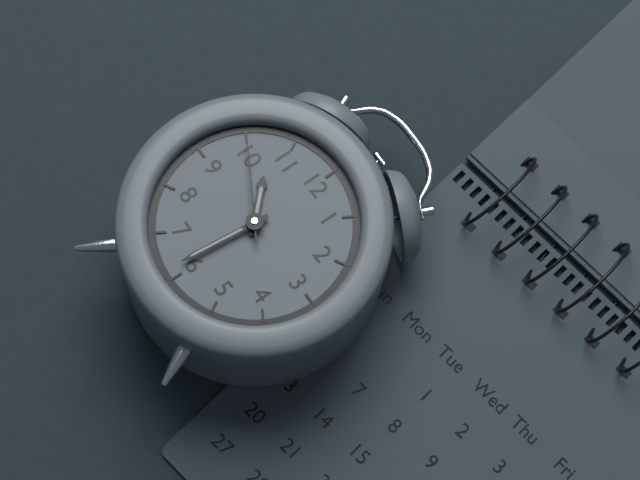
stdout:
**10:31:50**
